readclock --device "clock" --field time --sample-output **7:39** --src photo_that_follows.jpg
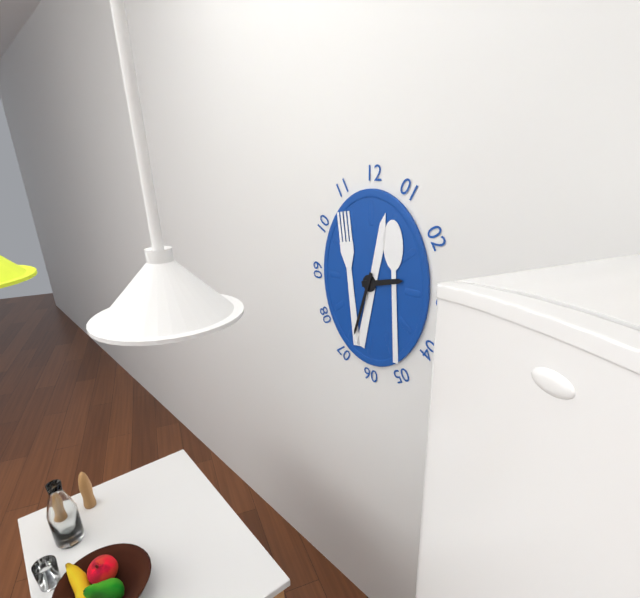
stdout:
**2:33**
